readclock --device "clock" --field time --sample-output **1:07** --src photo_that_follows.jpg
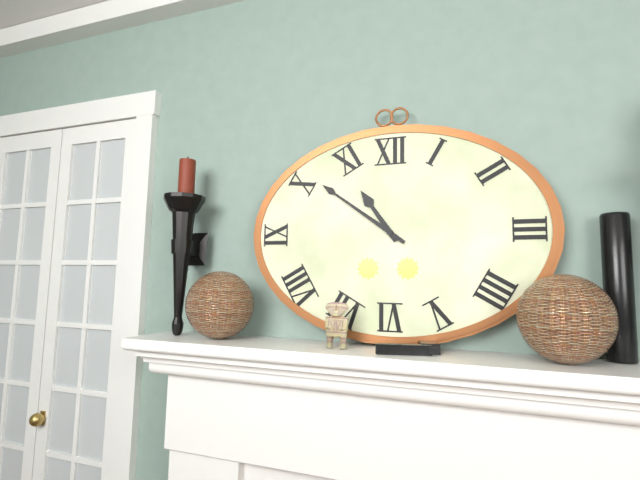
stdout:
**10:51**
